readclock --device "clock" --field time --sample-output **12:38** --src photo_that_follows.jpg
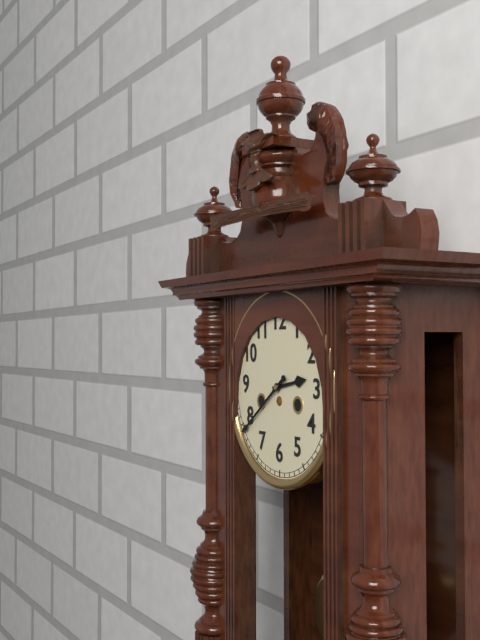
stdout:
**2:39**
